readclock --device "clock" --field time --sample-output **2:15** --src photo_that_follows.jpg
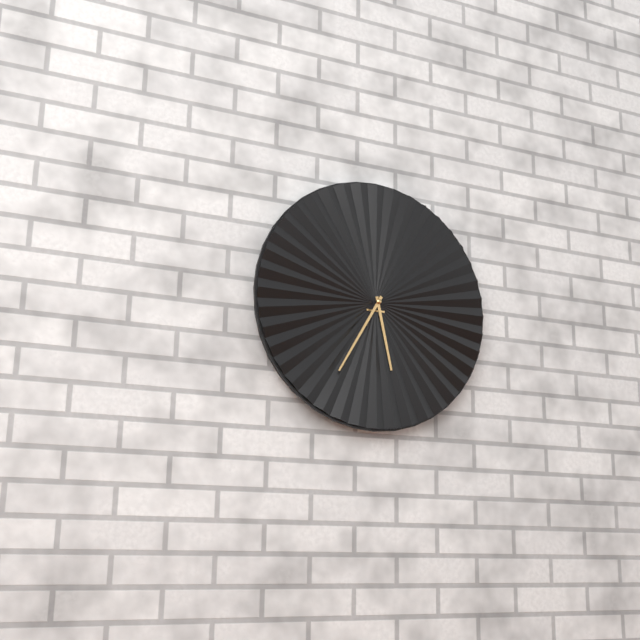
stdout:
**5:35**
